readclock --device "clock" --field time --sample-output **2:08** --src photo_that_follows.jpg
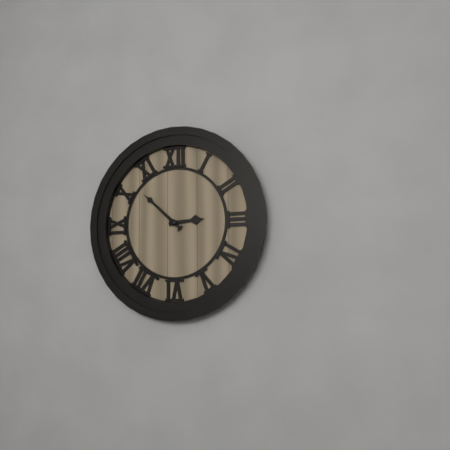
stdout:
**2:52**
